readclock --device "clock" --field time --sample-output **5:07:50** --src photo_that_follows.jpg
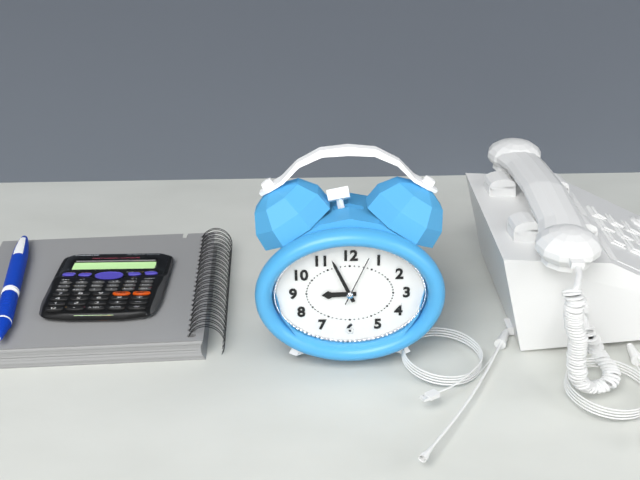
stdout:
**8:56:04**
